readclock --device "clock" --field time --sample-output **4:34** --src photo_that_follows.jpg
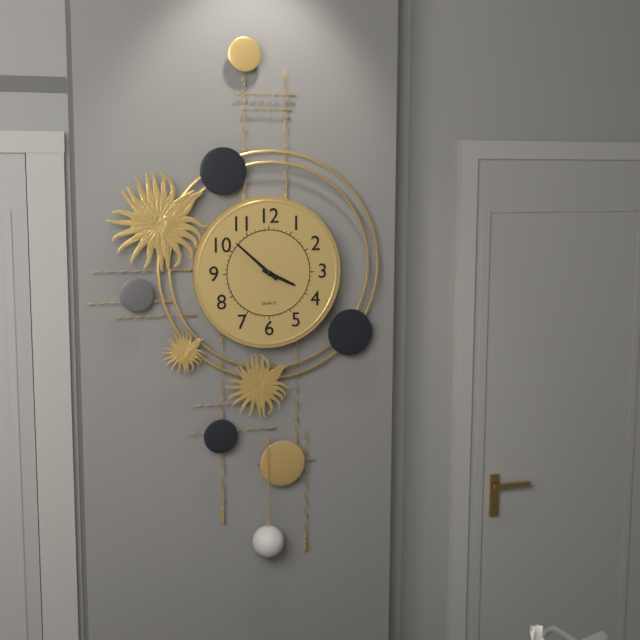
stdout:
**3:52**
